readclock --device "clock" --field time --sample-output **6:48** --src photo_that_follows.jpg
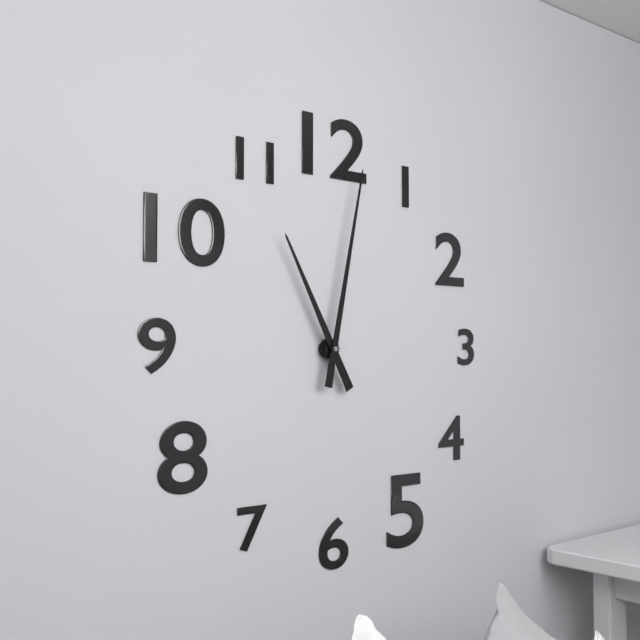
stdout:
**11:02**
